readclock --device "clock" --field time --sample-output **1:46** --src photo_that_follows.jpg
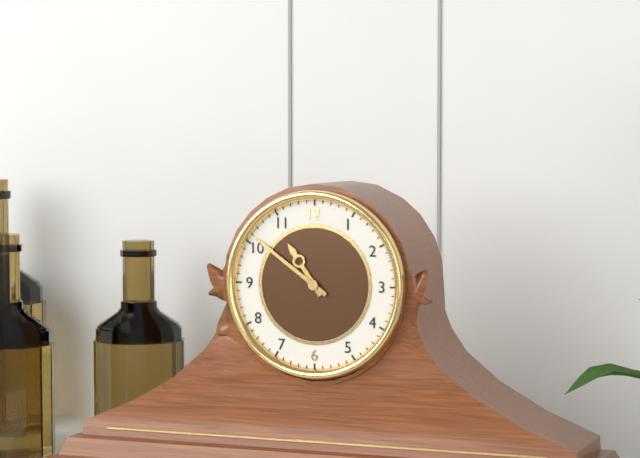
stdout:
**10:51**
